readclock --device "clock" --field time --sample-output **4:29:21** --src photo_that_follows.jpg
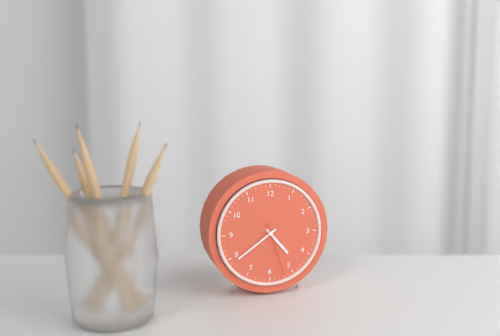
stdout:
**4:39:27**
